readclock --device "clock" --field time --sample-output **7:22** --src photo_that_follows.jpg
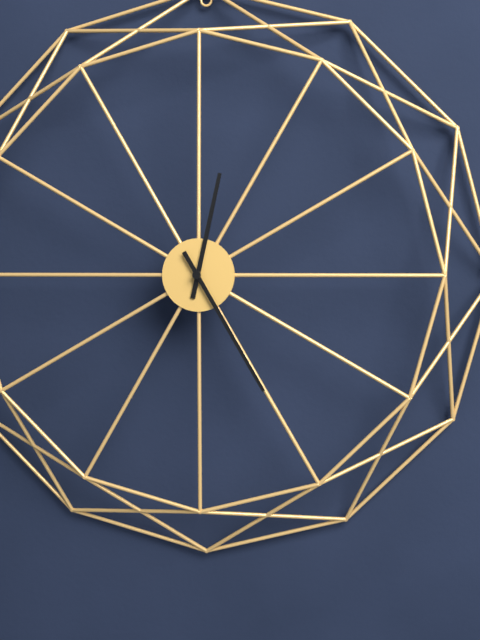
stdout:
**12:25**
